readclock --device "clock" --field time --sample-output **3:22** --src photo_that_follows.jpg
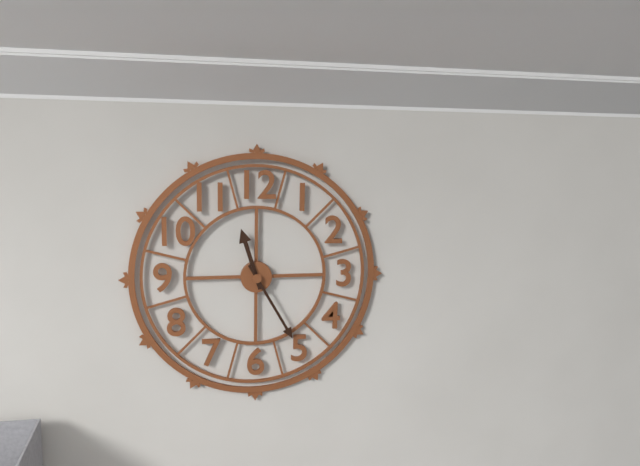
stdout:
**11:25**
